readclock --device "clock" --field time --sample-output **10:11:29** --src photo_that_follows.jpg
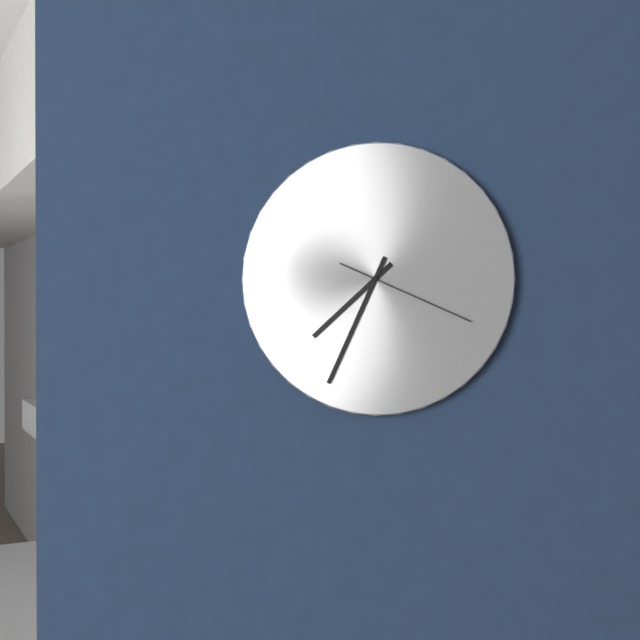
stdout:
**7:34:19**
